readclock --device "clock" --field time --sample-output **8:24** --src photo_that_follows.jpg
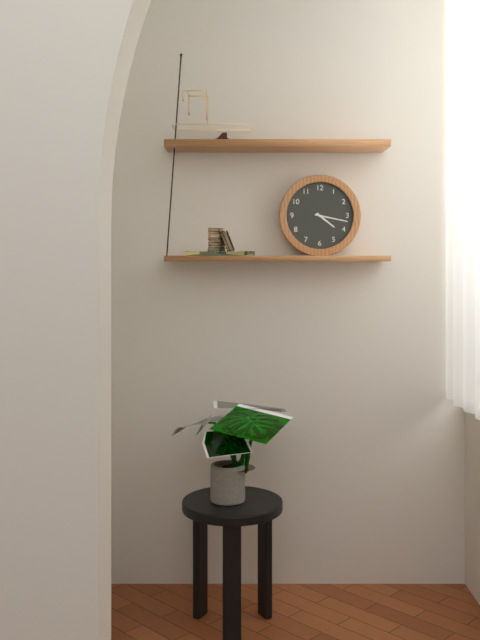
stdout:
**4:17**
